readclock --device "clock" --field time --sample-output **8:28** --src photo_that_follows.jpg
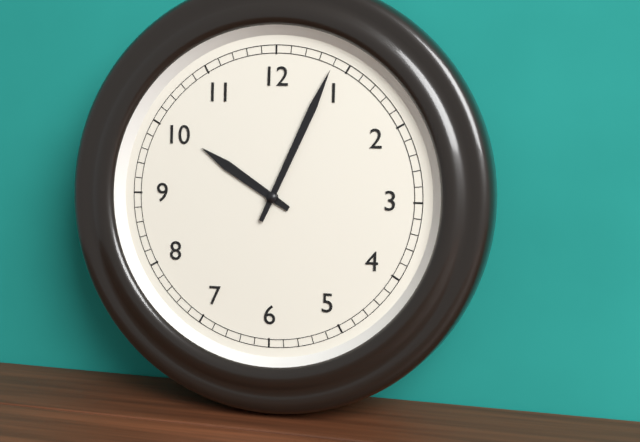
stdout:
**10:04**
